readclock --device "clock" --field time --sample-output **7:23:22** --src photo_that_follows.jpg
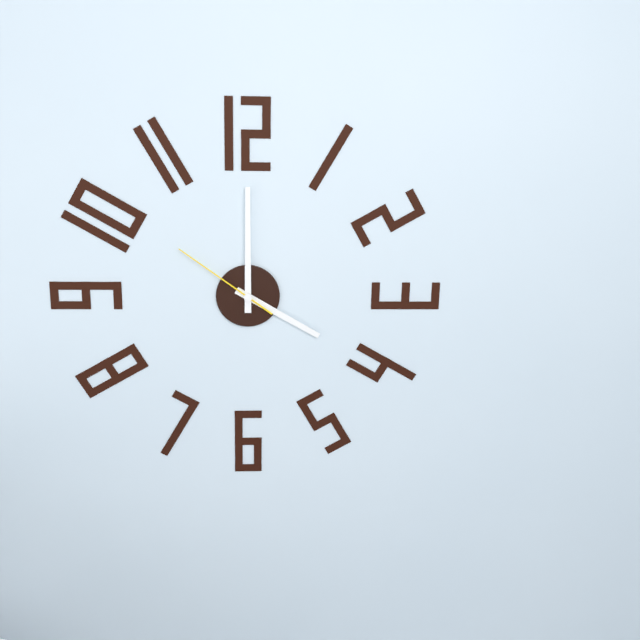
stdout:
**4:00:51**
